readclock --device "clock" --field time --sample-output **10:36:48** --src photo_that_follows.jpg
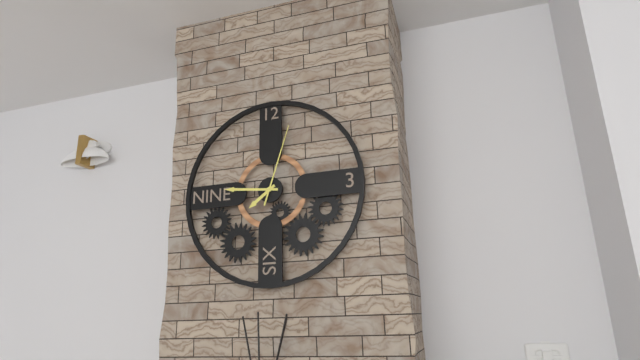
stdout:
**7:46:03**
